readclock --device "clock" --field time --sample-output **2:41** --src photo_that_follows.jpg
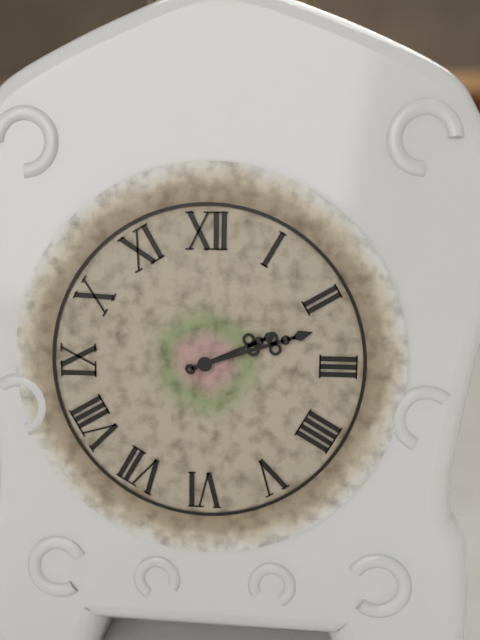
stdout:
**2:12**
